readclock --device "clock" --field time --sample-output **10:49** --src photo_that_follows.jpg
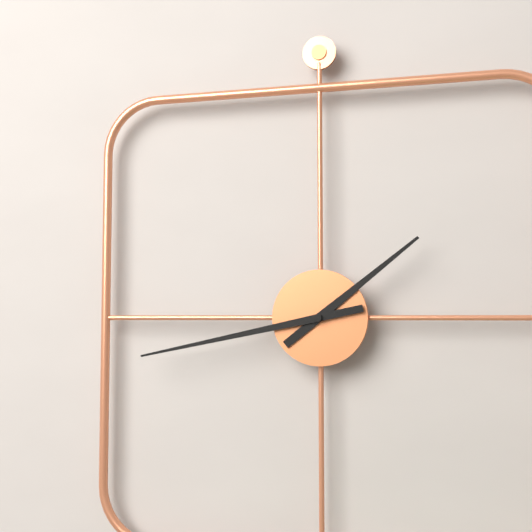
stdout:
**1:43**
